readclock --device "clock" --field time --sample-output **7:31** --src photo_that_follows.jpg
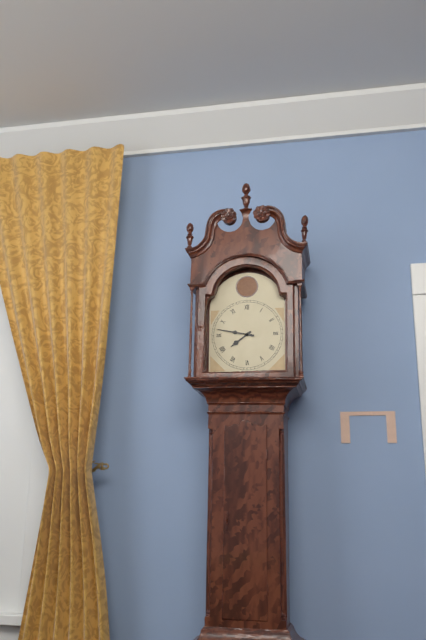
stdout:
**7:47**
